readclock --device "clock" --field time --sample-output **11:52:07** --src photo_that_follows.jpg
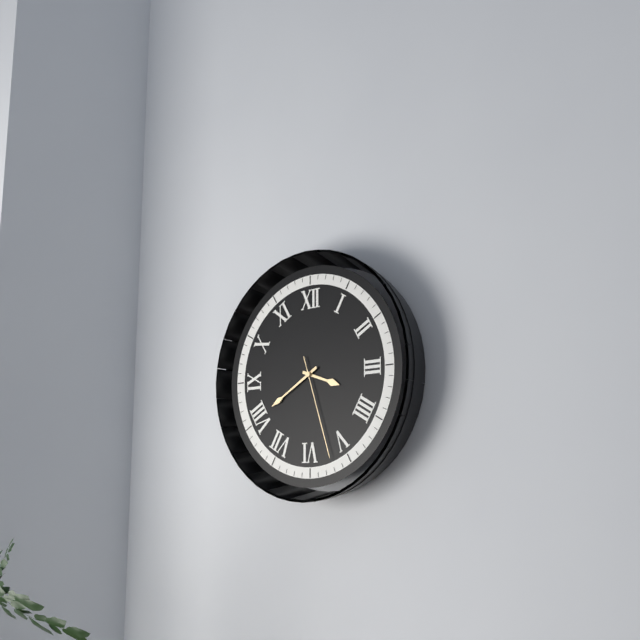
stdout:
**3:40:27**
